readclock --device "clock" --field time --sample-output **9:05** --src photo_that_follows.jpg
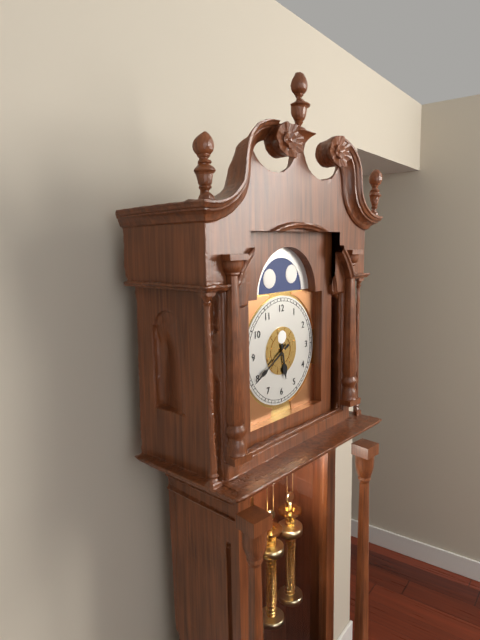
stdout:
**5:40**
